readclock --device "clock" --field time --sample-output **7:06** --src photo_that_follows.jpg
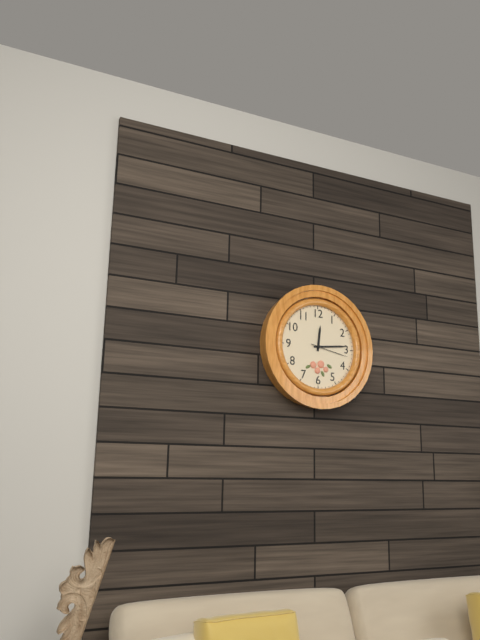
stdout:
**12:14**
